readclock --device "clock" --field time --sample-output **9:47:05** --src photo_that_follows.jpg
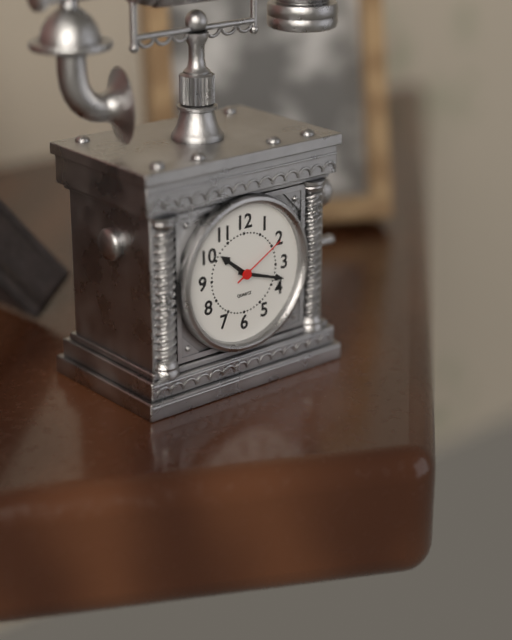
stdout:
**10:18:10**
